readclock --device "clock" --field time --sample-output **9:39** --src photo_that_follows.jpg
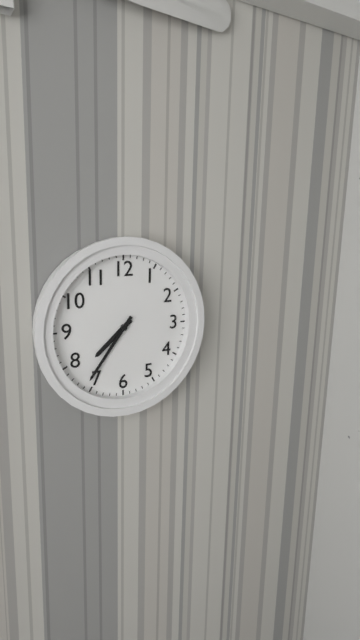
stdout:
**7:36**
